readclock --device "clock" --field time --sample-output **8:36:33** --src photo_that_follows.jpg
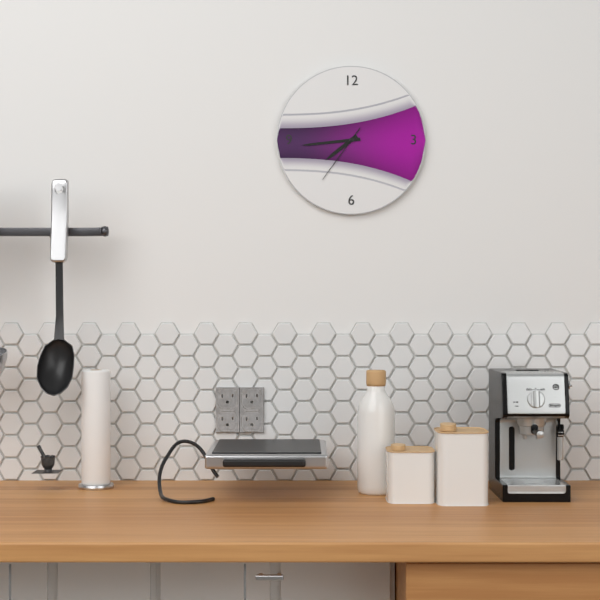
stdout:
**7:44:36**
